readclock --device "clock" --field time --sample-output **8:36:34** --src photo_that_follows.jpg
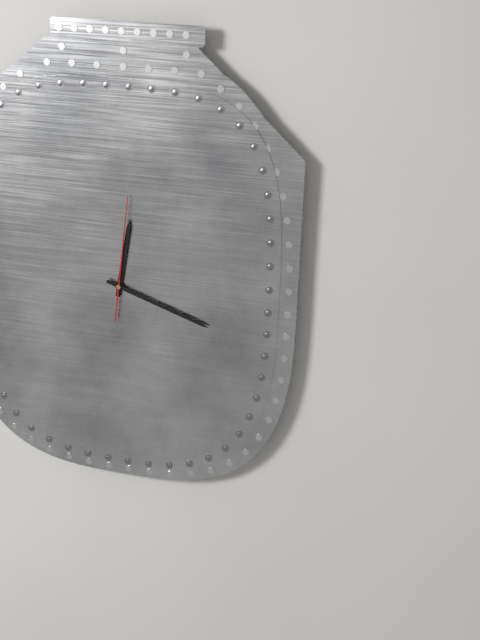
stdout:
**12:18:01**
